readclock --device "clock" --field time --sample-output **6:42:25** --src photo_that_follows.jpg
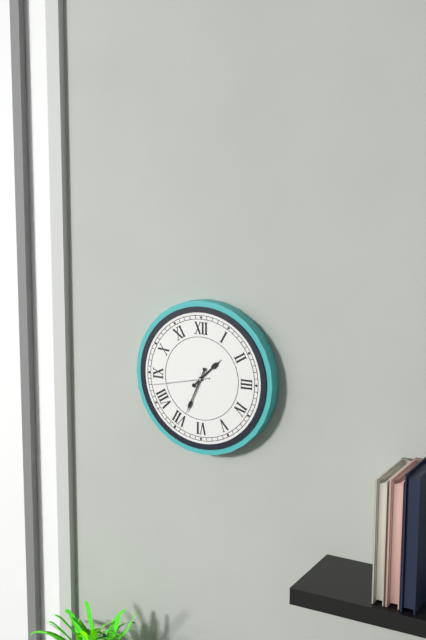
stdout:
**1:34:43**
